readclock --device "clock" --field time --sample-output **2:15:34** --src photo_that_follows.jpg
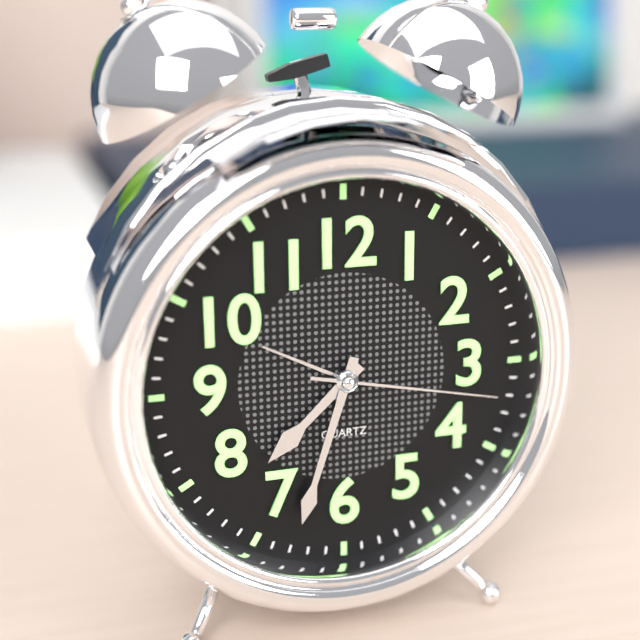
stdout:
**7:33:17**
